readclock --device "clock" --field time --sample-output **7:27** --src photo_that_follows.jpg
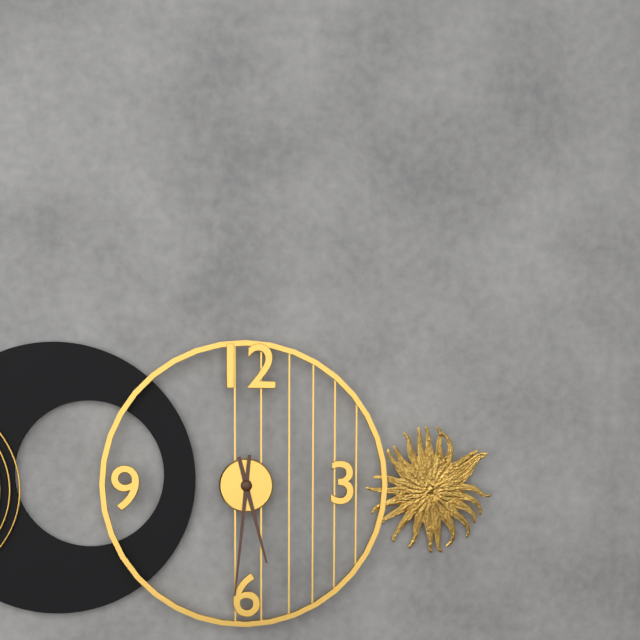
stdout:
**5:31**
